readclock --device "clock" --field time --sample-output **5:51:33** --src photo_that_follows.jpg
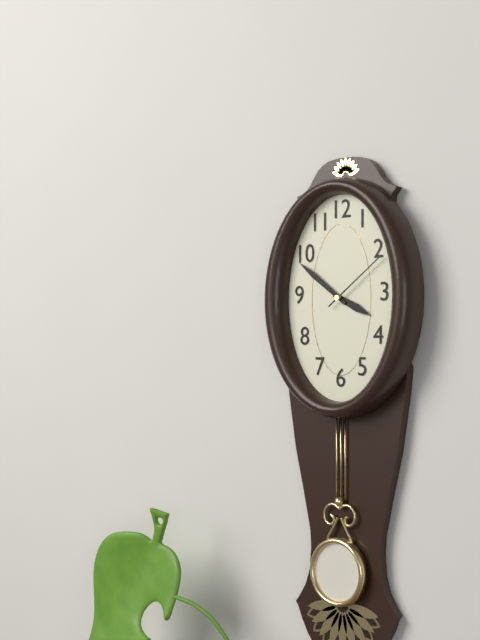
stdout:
**3:51:09**
